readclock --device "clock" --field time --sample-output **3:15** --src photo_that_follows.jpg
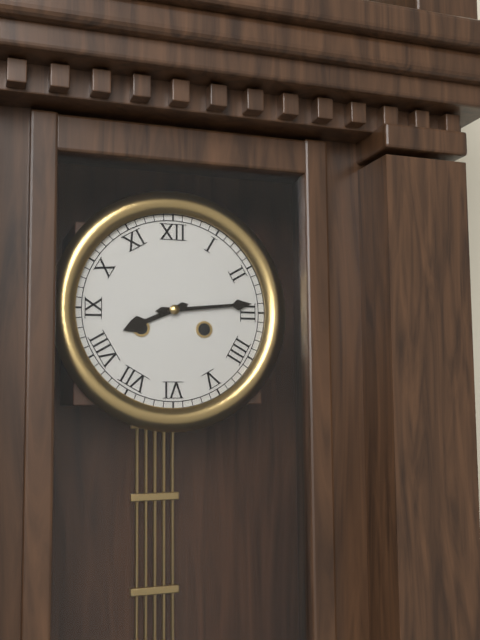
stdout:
**8:14**
